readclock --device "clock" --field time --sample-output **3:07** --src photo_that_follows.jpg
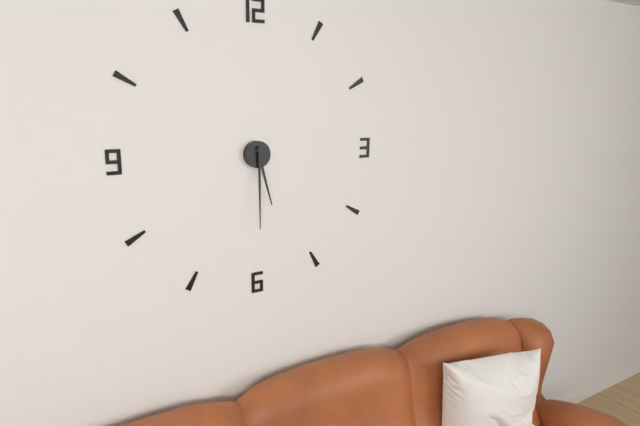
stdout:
**5:30**
